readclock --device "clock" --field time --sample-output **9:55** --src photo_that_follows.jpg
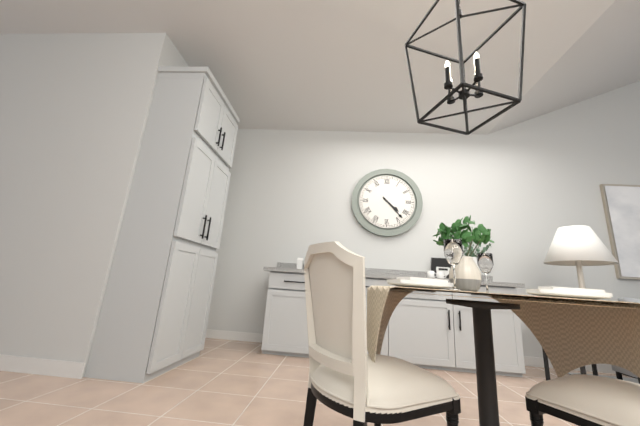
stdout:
**4:23**
